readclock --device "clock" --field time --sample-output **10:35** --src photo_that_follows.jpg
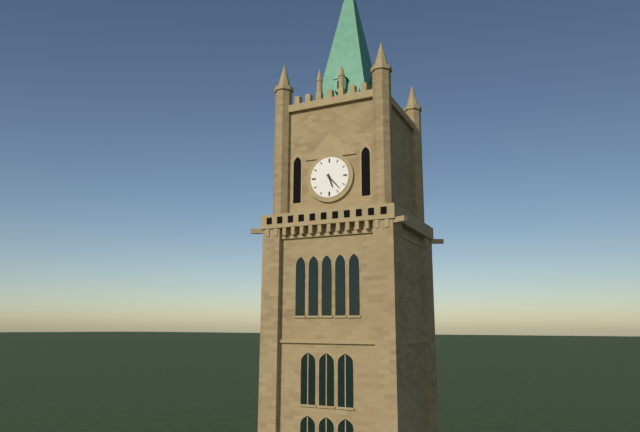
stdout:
**5:23**
